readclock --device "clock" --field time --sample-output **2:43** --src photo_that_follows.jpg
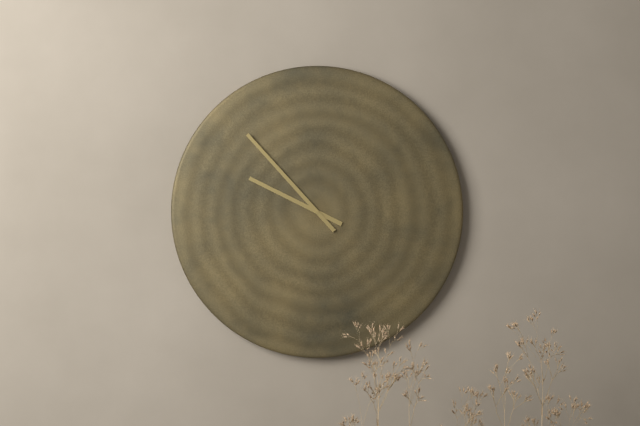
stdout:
**9:53**
